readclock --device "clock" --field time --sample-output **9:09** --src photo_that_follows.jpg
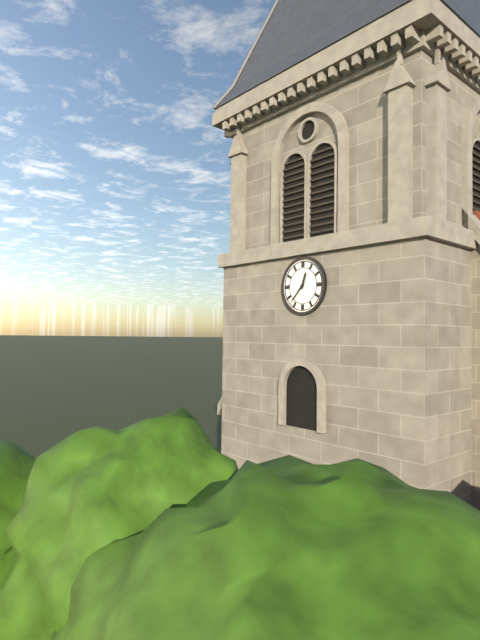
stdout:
**12:37**
